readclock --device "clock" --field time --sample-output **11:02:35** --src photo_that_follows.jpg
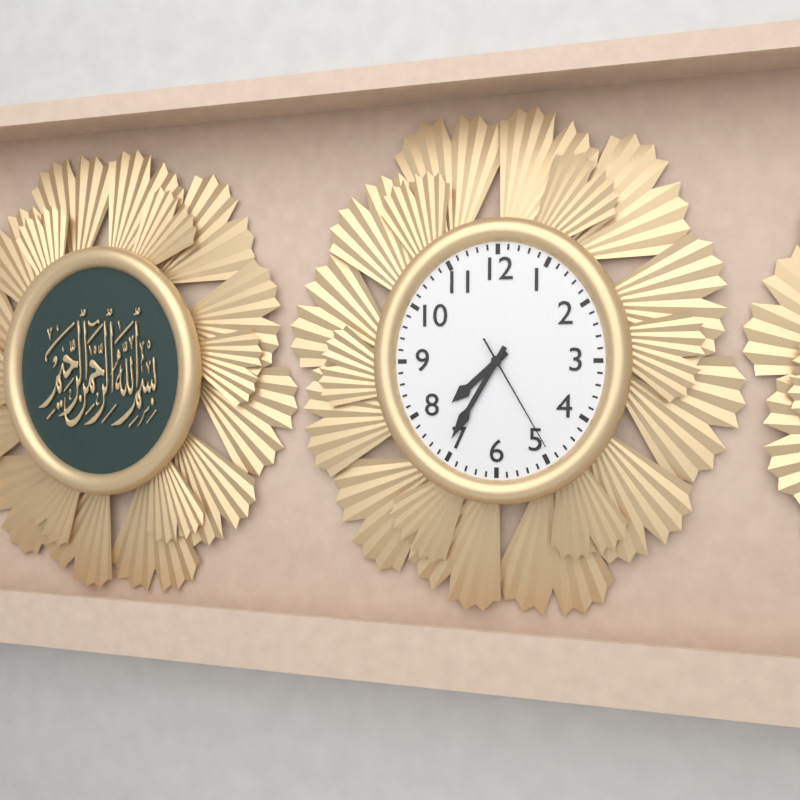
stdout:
**7:35:25**
